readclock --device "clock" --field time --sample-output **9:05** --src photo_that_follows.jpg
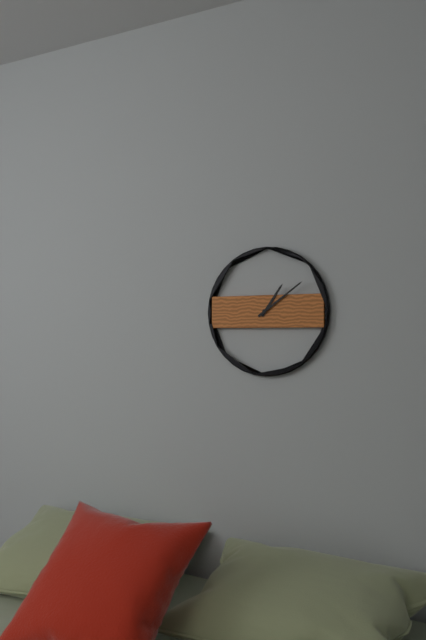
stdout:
**1:09**
